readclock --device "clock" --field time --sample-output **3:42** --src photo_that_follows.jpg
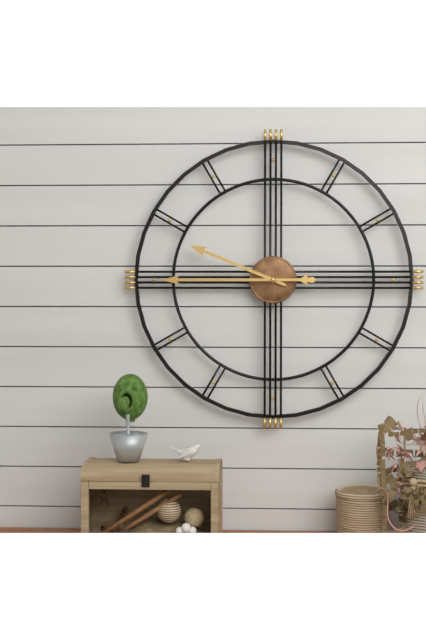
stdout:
**9:45**
